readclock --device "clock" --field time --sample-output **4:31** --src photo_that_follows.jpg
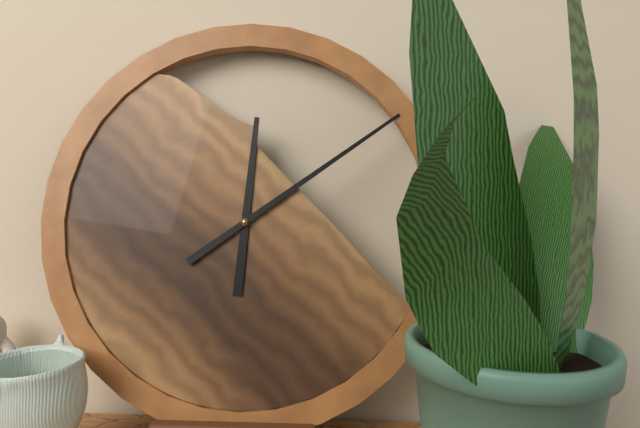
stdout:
**12:09**
